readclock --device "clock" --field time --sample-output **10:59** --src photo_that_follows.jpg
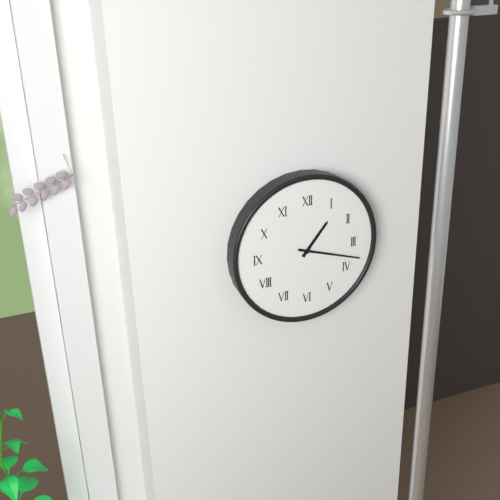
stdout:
**1:18**
